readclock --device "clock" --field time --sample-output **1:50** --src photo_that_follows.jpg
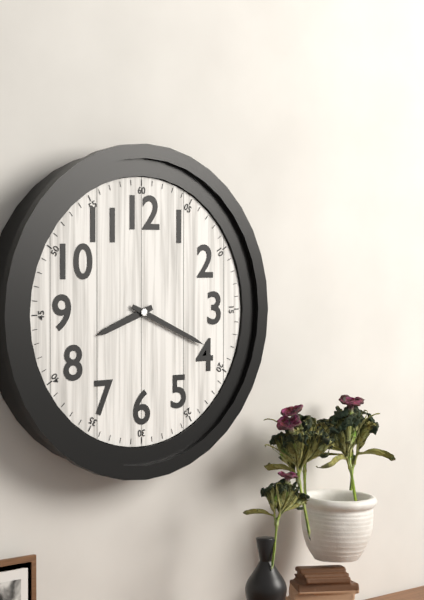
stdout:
**8:19**
